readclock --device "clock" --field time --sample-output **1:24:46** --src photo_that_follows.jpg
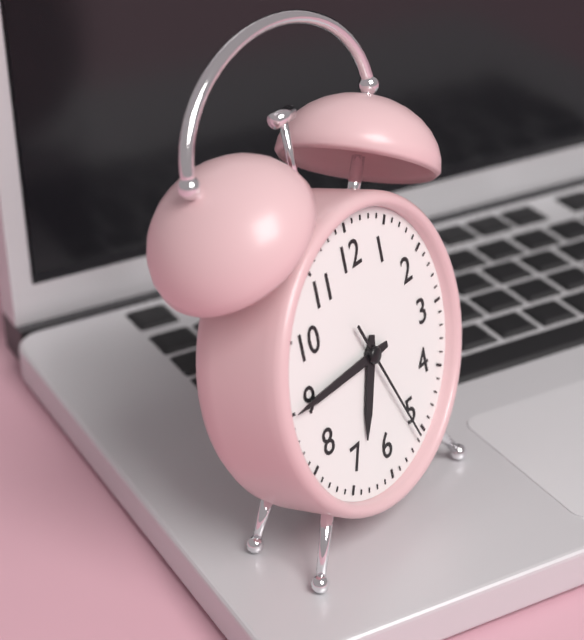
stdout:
**6:45:26**
